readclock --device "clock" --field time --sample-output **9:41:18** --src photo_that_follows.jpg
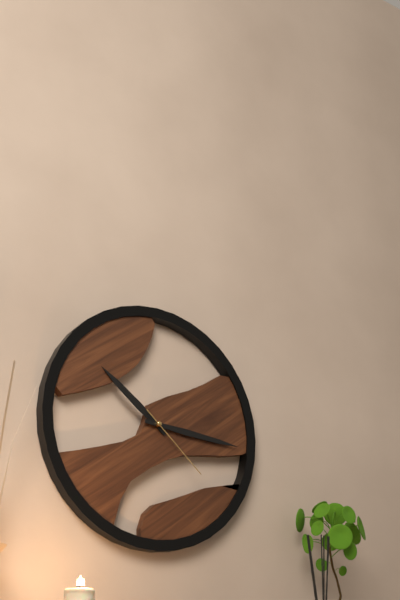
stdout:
**10:16:22**
